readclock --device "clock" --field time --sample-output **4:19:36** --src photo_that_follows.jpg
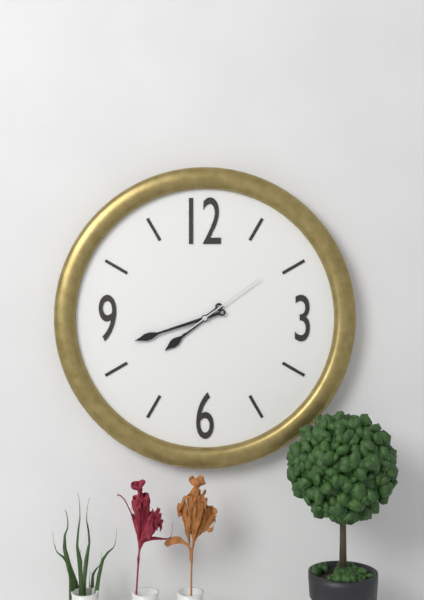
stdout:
**7:42:09**
